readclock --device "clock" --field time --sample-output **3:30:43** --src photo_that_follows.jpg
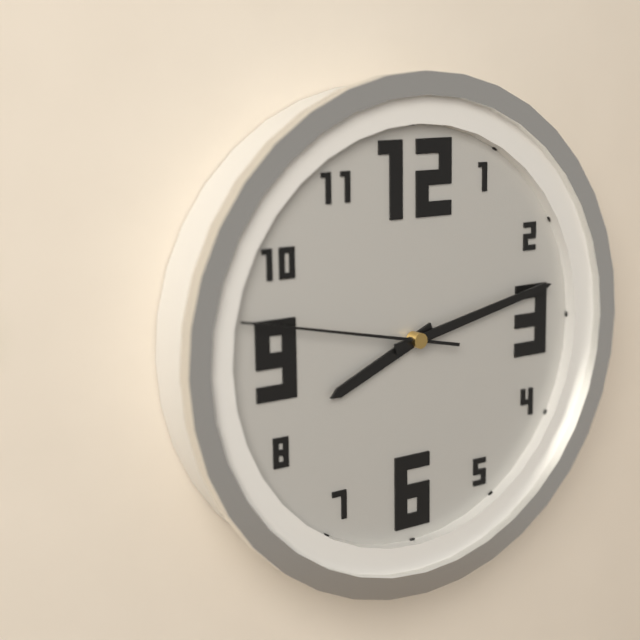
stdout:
**8:13:47**
